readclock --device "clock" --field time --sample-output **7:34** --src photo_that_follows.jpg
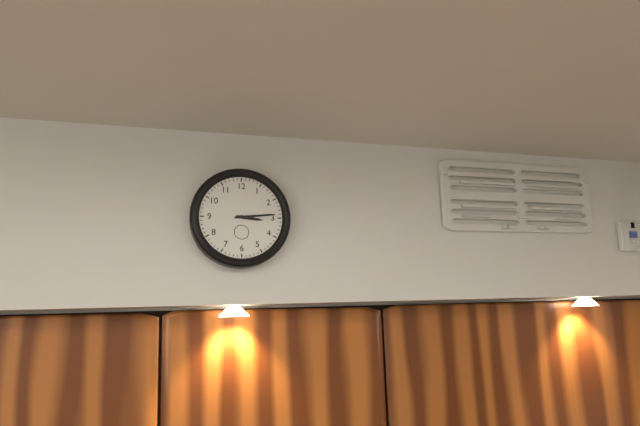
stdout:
**3:14**
